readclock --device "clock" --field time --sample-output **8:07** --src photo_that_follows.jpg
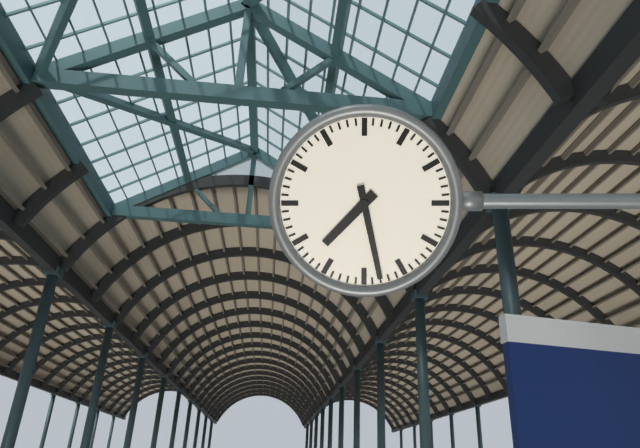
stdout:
**7:28**
